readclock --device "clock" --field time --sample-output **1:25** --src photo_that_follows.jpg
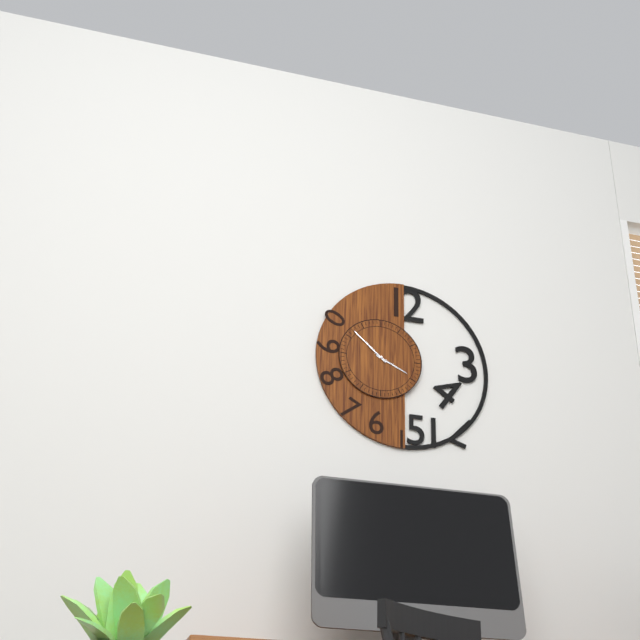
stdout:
**3:52**
